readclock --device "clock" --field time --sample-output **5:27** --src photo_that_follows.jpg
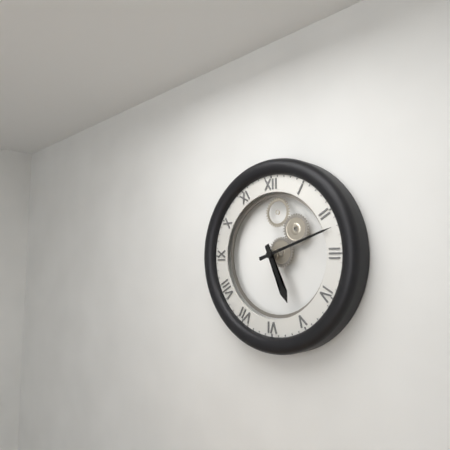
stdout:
**5:12**
